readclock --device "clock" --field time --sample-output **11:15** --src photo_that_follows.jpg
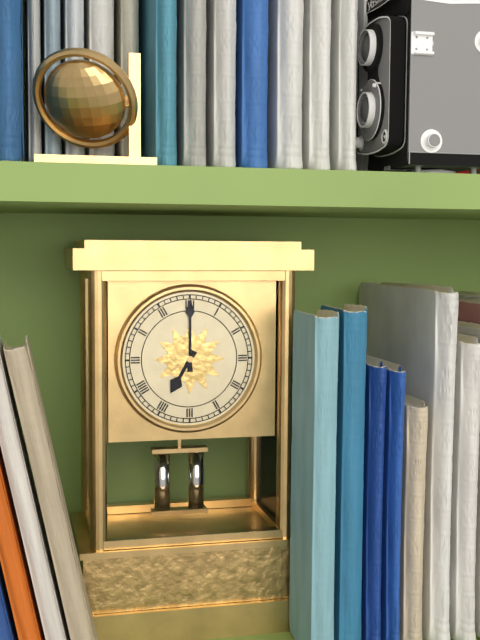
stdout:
**7:00**
